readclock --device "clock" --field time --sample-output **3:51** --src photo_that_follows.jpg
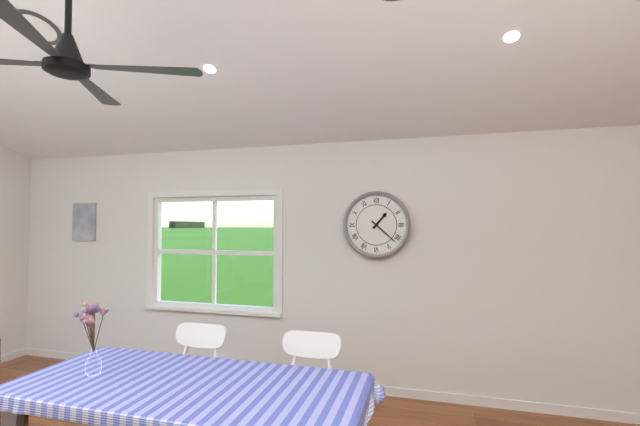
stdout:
**1:22**
